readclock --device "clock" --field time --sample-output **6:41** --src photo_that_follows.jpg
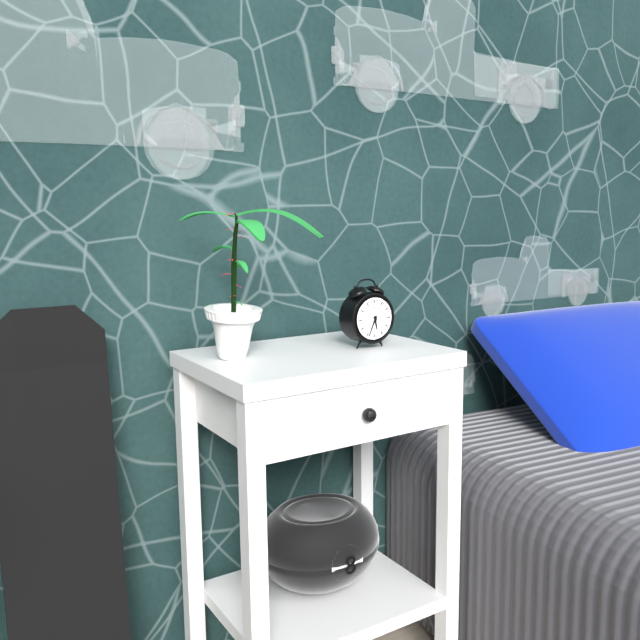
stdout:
**5:34**
